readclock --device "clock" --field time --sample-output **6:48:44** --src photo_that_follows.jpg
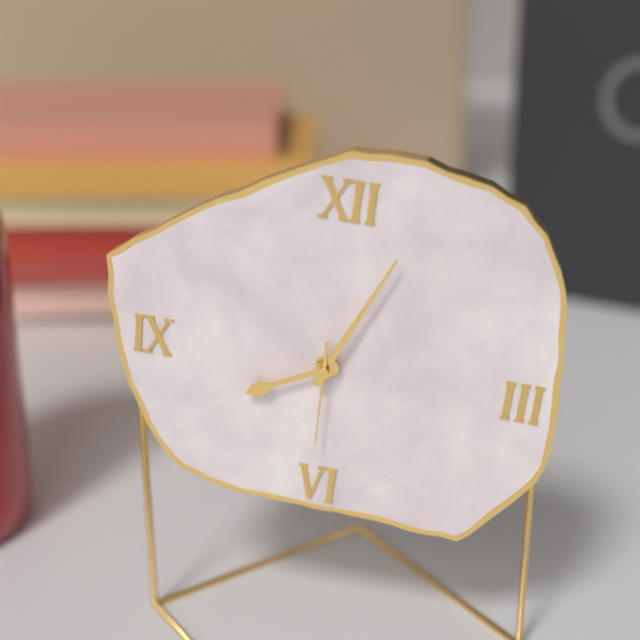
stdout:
**8:04:30**
